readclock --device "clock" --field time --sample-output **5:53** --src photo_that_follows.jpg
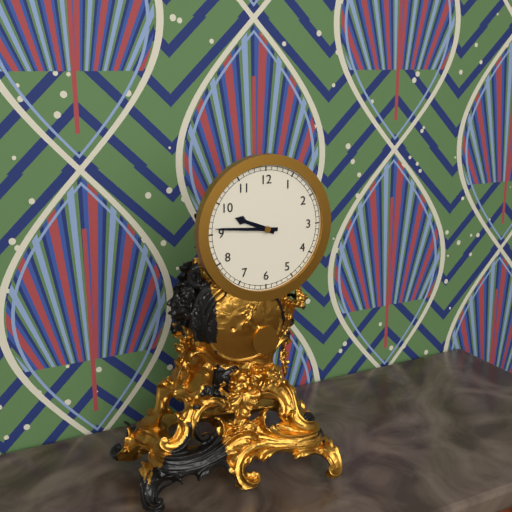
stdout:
**9:46**
